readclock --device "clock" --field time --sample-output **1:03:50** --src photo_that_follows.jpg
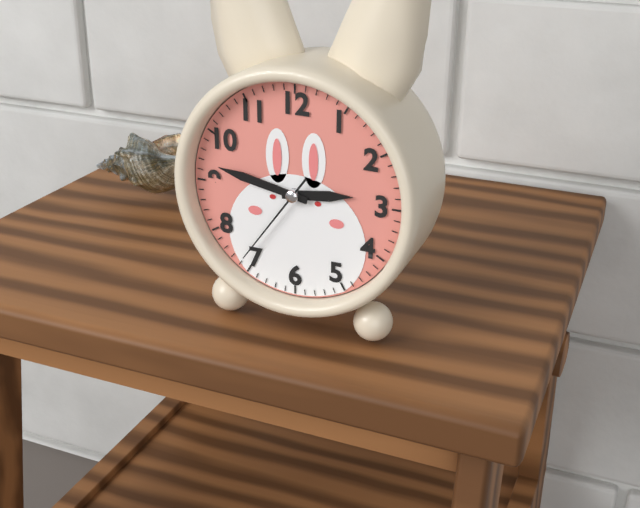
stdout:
**2:47:36**
